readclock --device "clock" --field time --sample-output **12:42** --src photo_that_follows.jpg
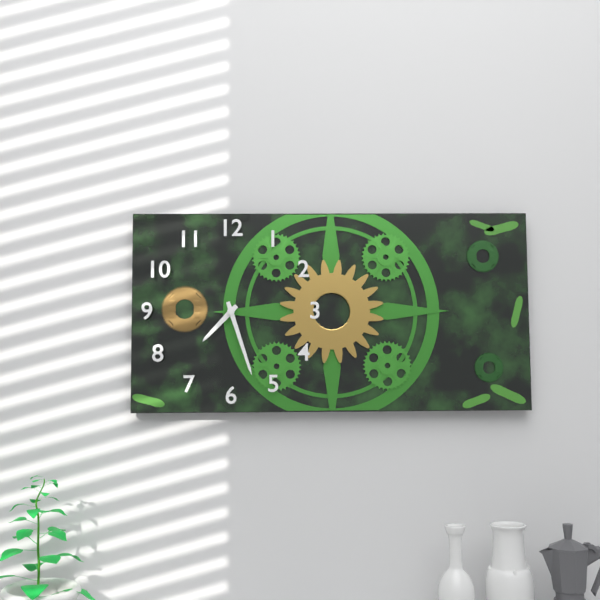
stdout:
**7:27**
